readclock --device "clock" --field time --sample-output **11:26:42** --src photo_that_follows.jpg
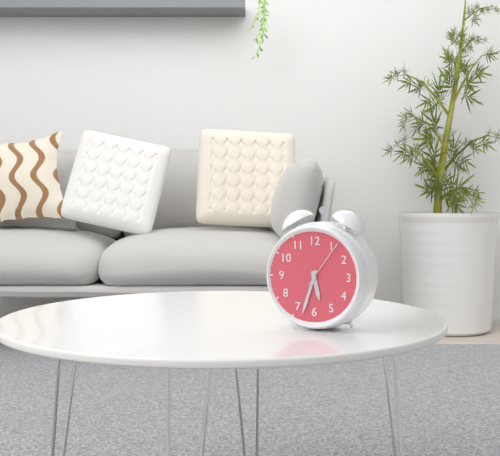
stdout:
**5:33:06**
